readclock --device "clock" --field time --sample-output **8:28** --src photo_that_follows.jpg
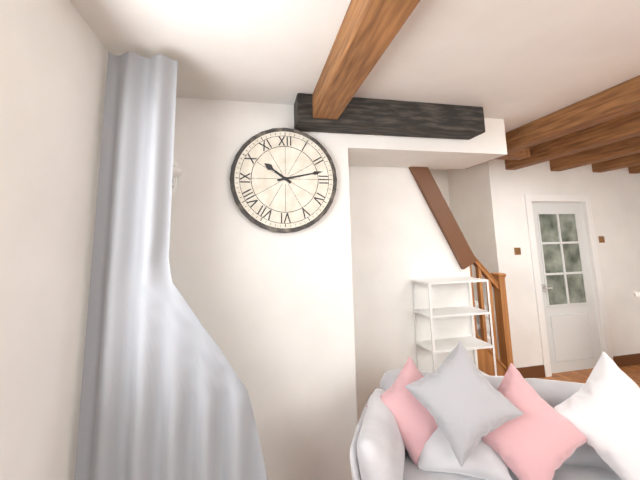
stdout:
**10:13**
